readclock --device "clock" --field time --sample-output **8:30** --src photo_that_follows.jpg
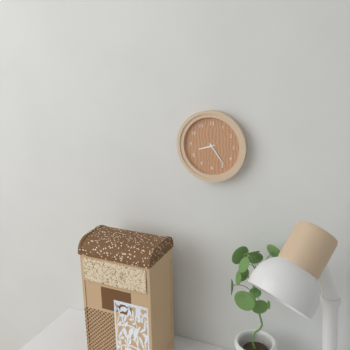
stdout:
**8:24**
